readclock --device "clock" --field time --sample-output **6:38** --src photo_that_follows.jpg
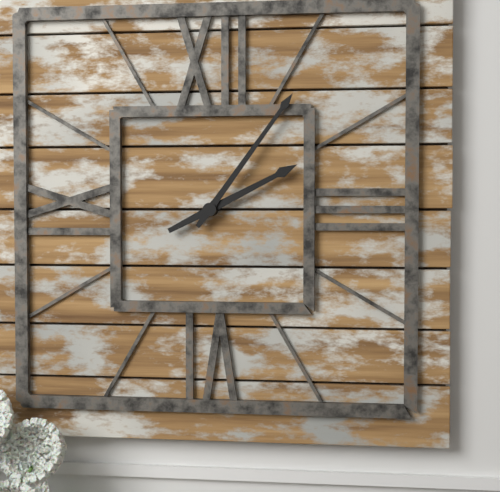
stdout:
**2:06**
